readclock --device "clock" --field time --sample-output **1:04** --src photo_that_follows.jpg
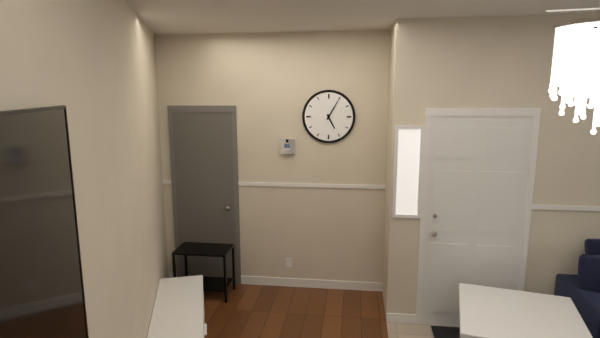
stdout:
**5:05**
